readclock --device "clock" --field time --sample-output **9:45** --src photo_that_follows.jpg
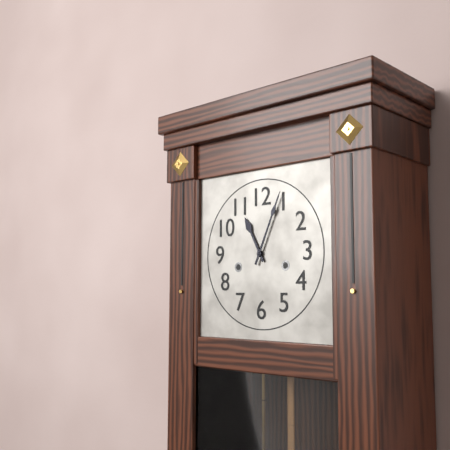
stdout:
**11:04**
